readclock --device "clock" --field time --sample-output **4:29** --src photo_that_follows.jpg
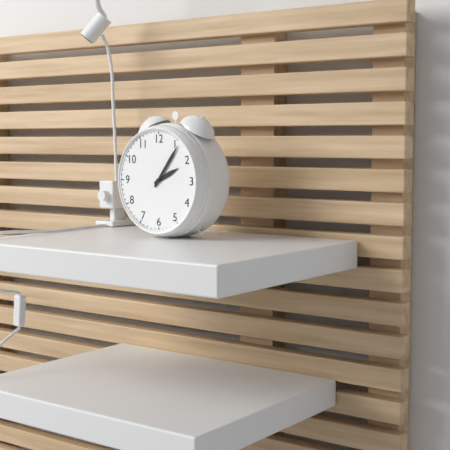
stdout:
**2:06**
